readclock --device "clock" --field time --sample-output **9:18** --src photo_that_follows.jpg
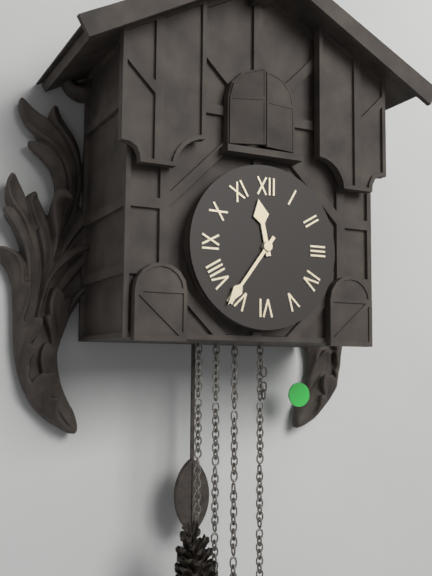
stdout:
**11:36**
